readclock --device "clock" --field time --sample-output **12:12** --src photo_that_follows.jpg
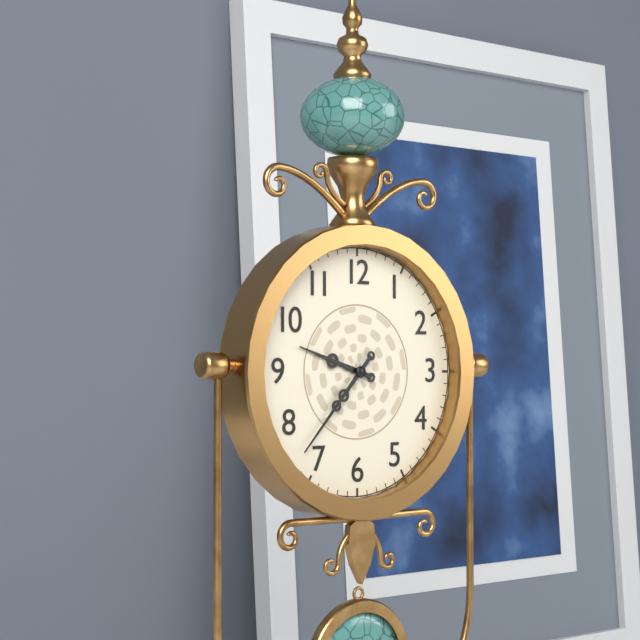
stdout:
**9:37**
